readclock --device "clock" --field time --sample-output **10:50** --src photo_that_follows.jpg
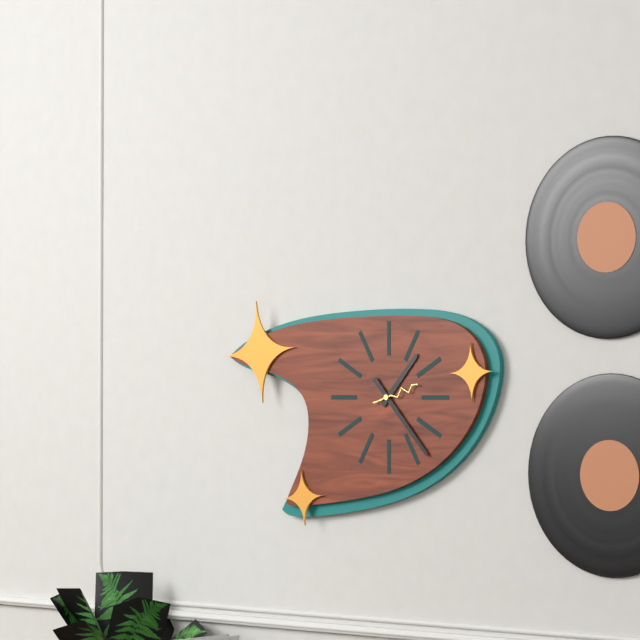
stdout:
**1:23**
